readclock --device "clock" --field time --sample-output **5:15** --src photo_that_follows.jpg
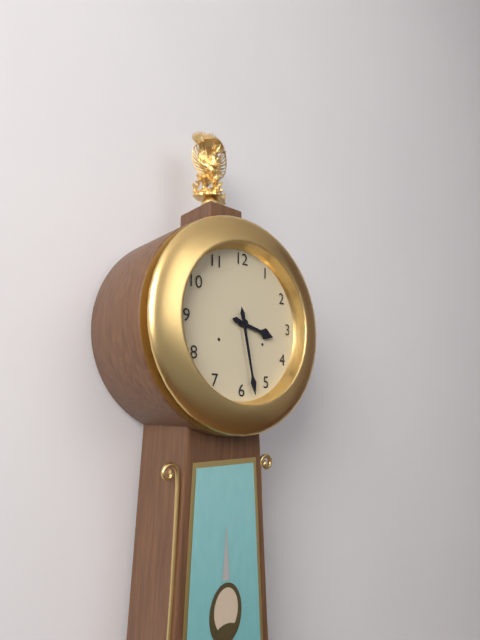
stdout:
**3:28**
